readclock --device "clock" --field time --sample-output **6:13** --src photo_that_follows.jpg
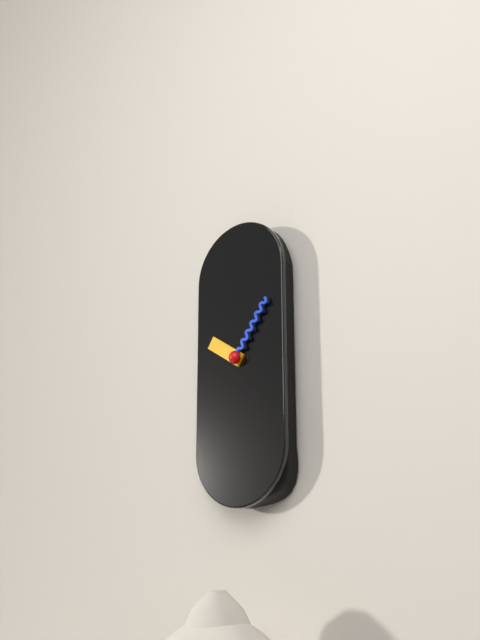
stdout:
**10:06**
